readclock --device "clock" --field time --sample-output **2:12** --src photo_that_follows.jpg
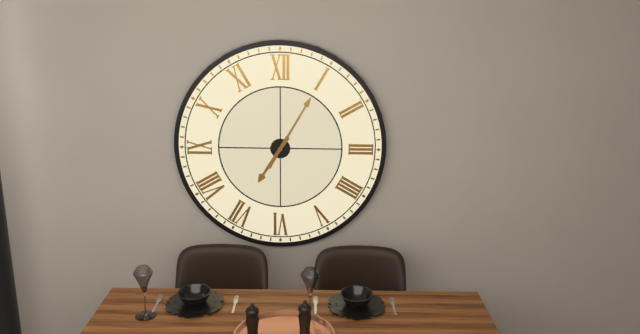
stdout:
**7:05**
